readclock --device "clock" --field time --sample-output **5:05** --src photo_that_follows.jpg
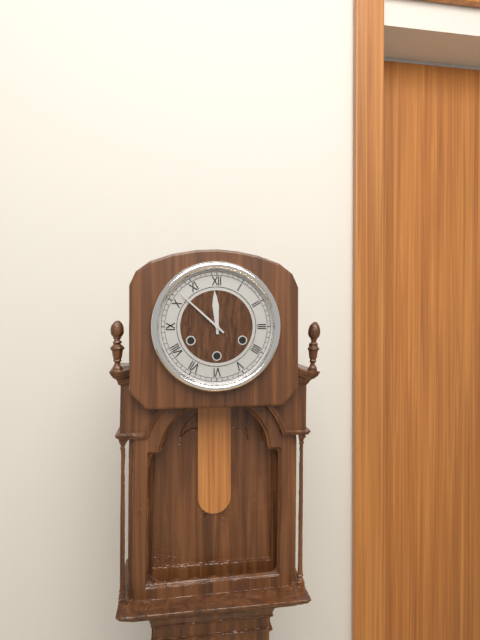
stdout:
**11:52**
